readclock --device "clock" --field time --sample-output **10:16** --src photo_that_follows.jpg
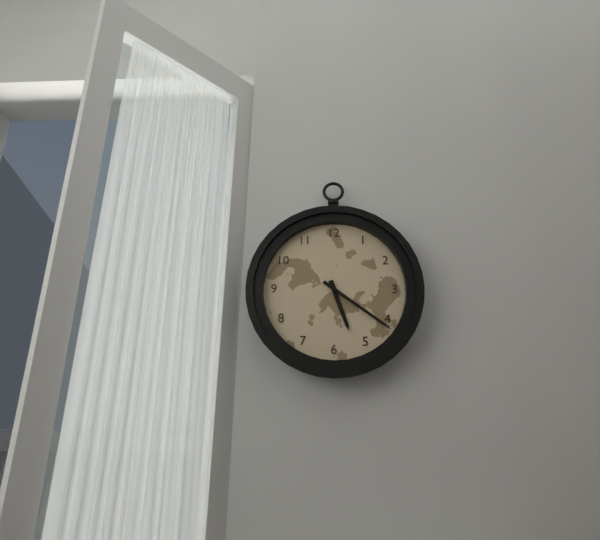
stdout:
**5:21**
